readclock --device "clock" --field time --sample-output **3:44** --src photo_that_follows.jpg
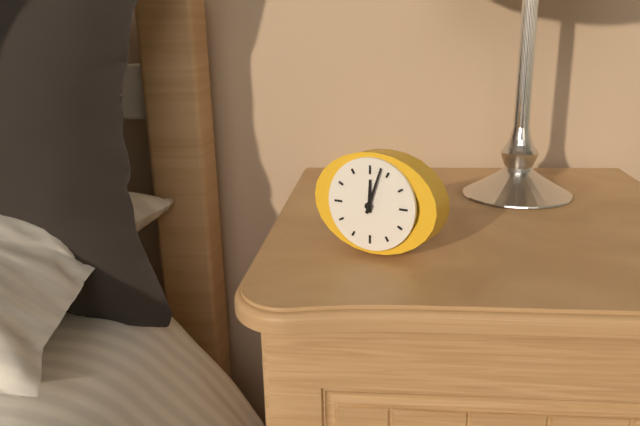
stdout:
**12:03**
